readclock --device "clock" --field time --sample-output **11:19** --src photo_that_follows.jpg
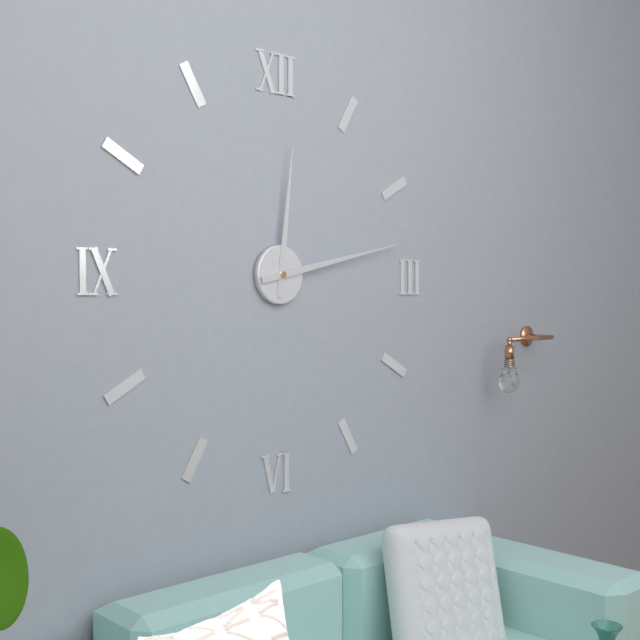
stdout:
**12:13**
